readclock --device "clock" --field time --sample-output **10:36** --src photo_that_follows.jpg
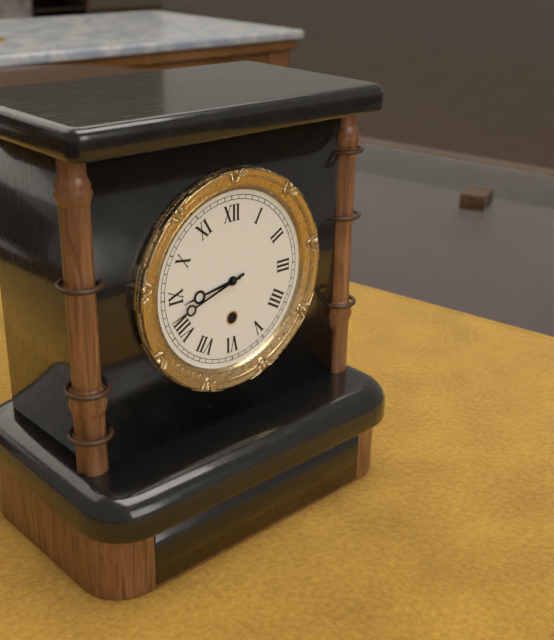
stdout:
**8:42**
